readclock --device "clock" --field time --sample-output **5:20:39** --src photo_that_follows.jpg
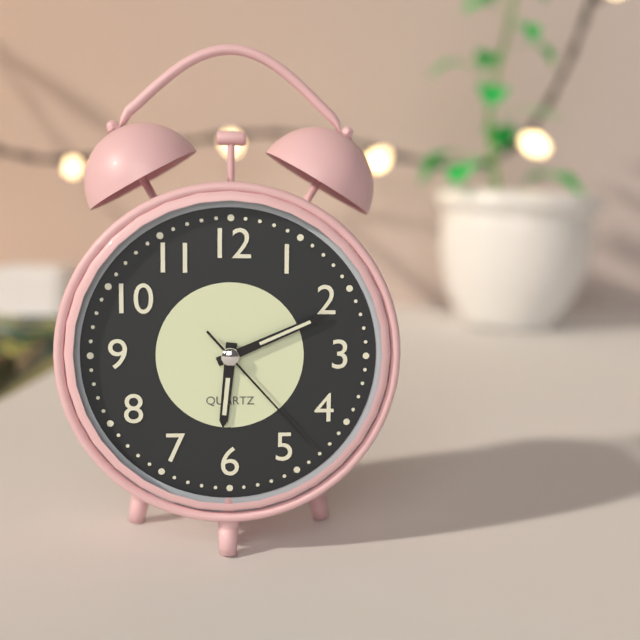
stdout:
**6:11:23**
